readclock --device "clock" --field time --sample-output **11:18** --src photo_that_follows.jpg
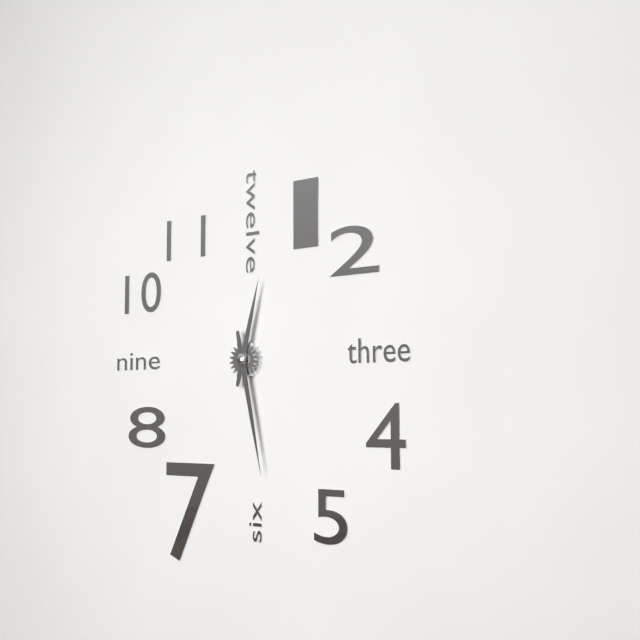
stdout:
**12:28**
